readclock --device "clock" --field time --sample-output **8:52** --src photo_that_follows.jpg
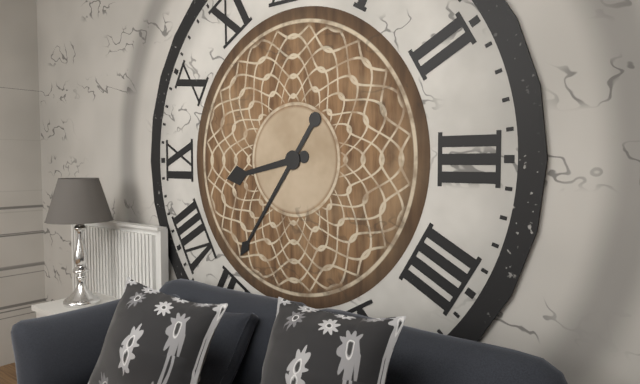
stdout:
**8:36**
